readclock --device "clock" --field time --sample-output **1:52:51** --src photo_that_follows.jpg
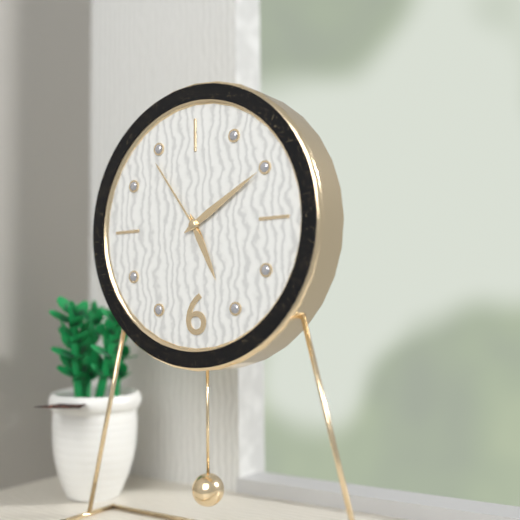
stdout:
**5:10:54**
